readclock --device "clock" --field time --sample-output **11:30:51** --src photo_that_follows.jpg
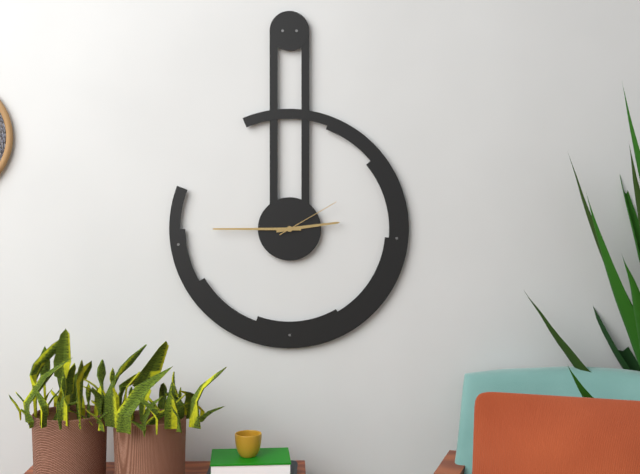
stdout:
**2:45:10**
